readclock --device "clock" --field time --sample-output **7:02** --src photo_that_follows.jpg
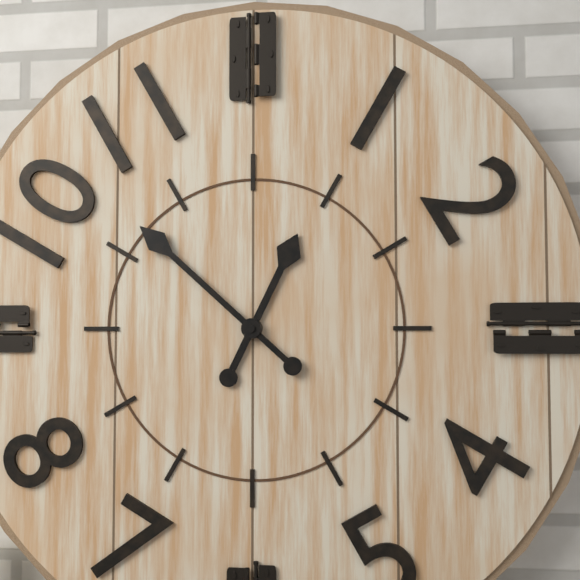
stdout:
**12:52**
